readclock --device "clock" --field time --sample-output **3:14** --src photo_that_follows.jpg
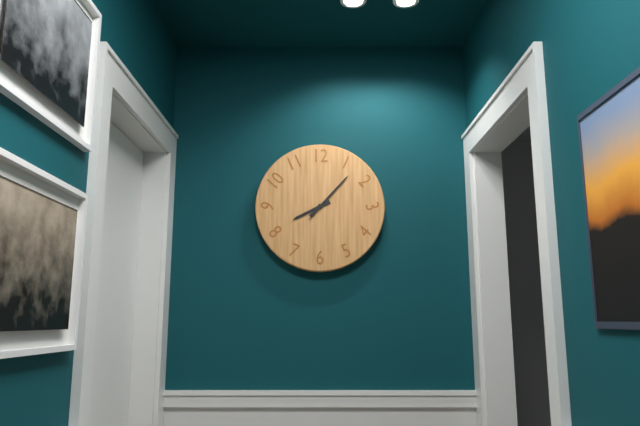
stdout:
**8:07**
